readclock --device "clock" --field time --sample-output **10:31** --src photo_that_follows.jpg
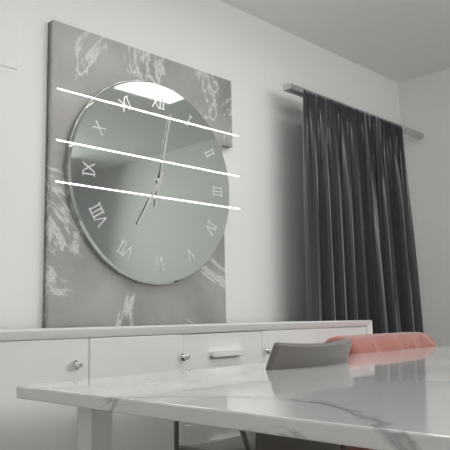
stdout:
**7:02**
